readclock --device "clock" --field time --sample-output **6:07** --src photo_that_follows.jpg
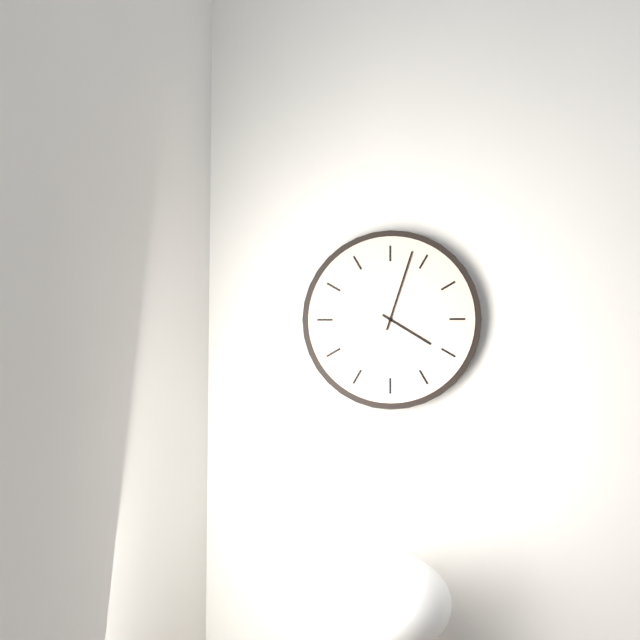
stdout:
**4:03**
